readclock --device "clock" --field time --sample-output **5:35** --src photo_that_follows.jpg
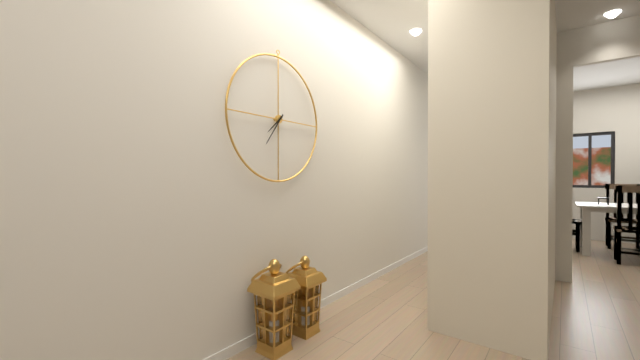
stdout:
**7:36**
